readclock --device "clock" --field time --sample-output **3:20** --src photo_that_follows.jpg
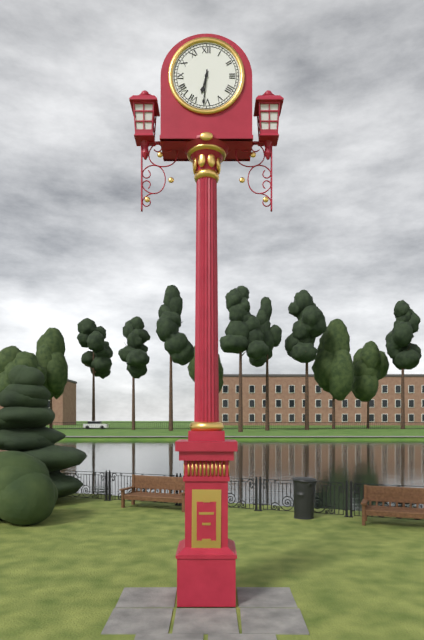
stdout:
**6:31**
